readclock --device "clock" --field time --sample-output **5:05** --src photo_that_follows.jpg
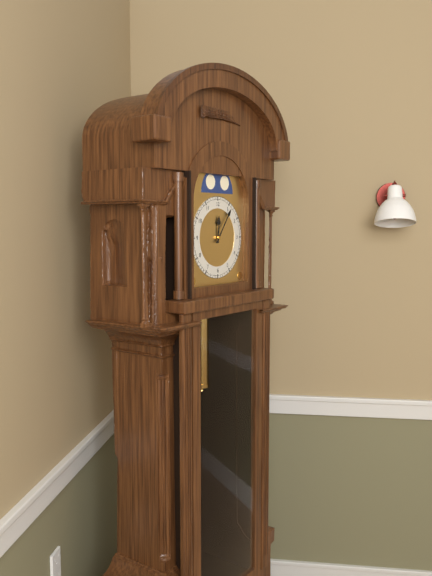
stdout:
**12:06**
